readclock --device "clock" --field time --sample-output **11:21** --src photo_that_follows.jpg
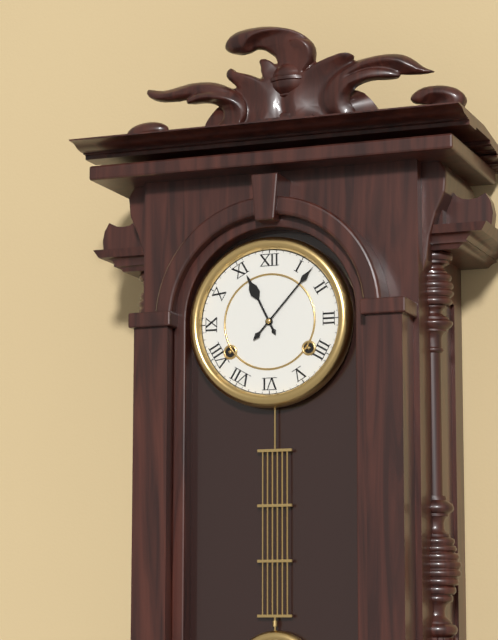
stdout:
**11:07**
